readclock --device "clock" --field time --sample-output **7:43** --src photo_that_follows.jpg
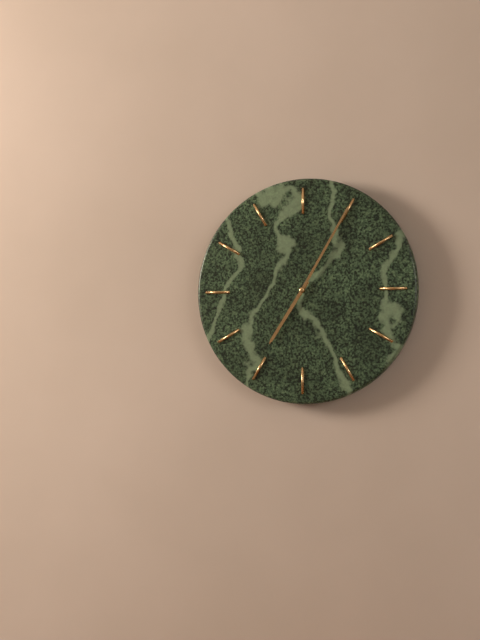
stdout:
**7:05**
